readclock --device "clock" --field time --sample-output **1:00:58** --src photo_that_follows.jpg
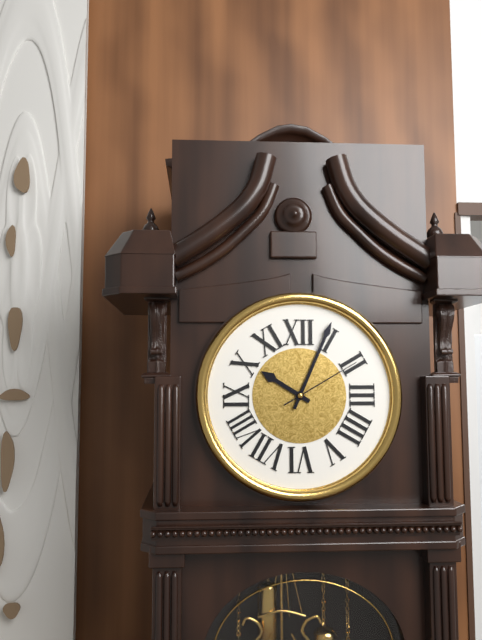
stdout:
**10:04:10**
